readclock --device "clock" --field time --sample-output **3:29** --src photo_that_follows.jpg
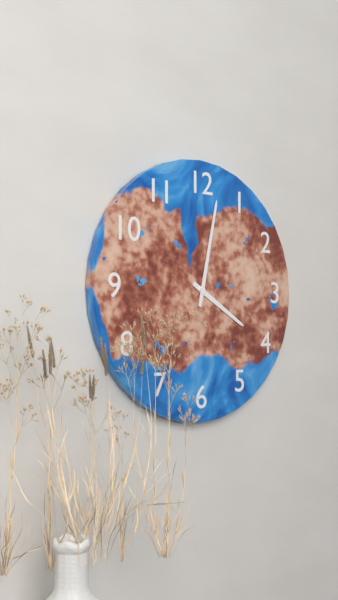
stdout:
**4:02**
